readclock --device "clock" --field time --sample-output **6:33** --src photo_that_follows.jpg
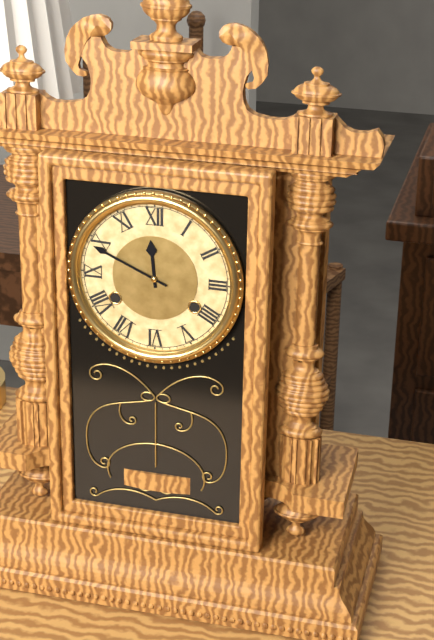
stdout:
**11:49**
